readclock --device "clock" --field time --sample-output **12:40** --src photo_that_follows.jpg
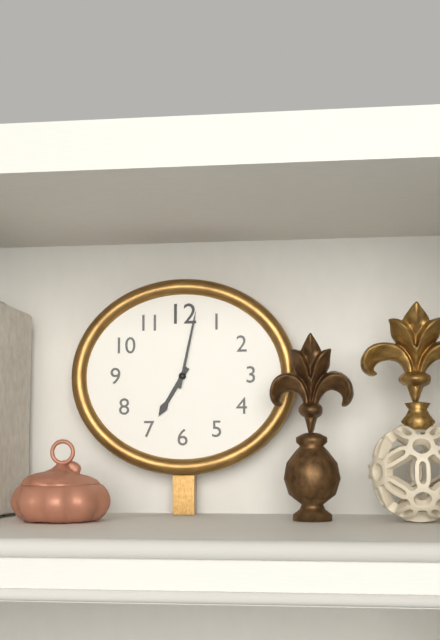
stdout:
**7:02**
